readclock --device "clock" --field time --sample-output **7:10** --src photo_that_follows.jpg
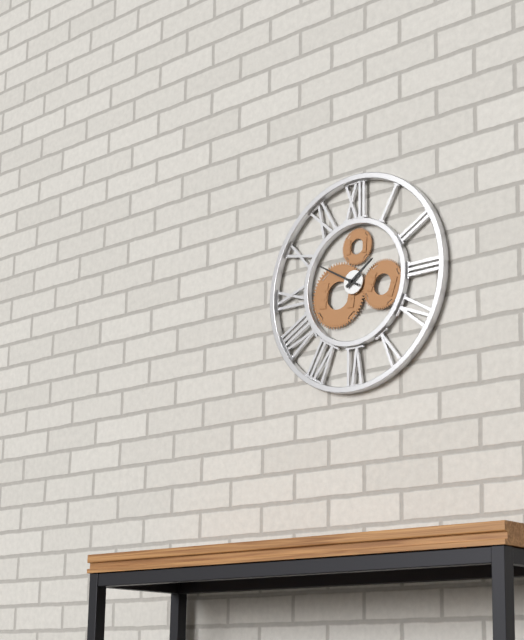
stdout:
**1:50**
